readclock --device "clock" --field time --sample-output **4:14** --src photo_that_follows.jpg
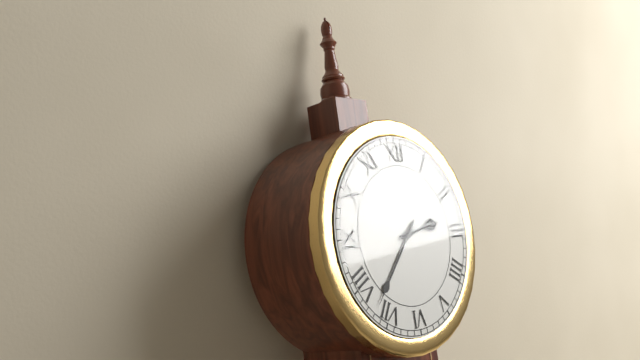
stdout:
**2:37**
